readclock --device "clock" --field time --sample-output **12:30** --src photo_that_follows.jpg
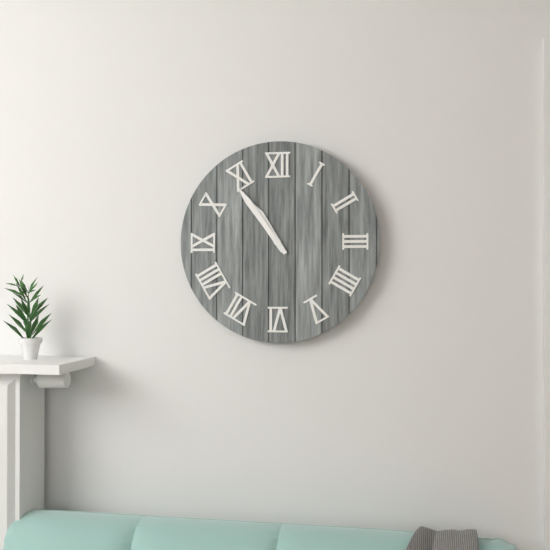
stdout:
**10:54**
